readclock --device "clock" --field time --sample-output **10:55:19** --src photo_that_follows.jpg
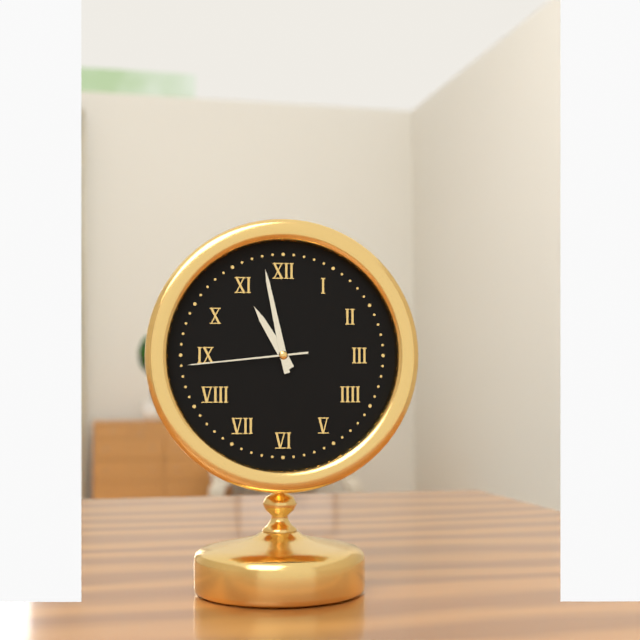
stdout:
**10:58:44**
